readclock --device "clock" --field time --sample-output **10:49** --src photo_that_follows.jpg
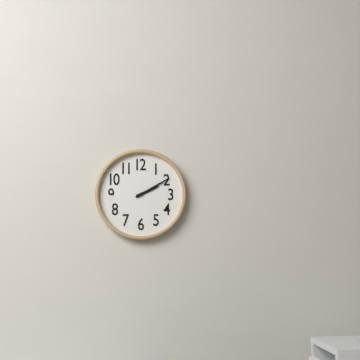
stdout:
**2:10**
